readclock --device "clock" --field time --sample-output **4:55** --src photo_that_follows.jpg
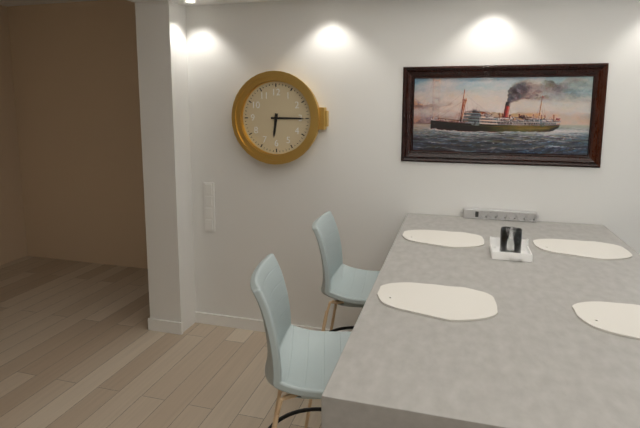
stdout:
**6:15**
